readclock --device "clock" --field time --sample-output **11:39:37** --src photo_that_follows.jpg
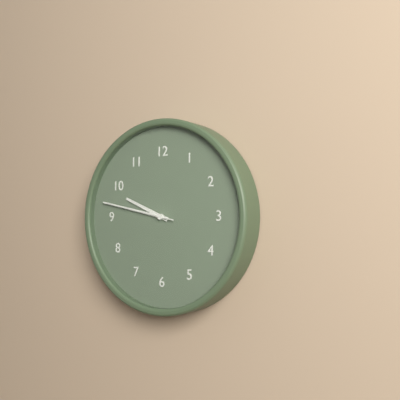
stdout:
**9:47:47**
